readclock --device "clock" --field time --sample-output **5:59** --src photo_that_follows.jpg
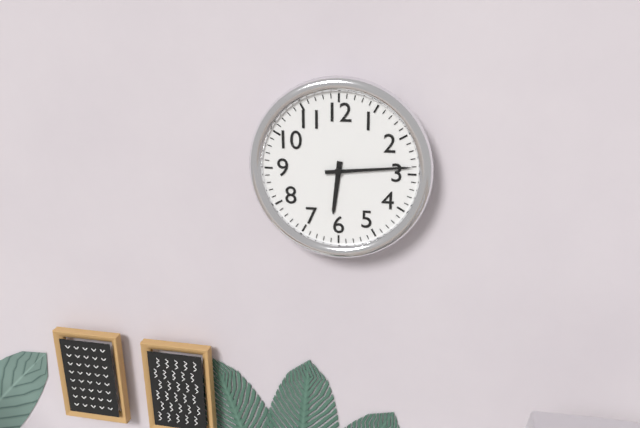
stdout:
**6:14**
